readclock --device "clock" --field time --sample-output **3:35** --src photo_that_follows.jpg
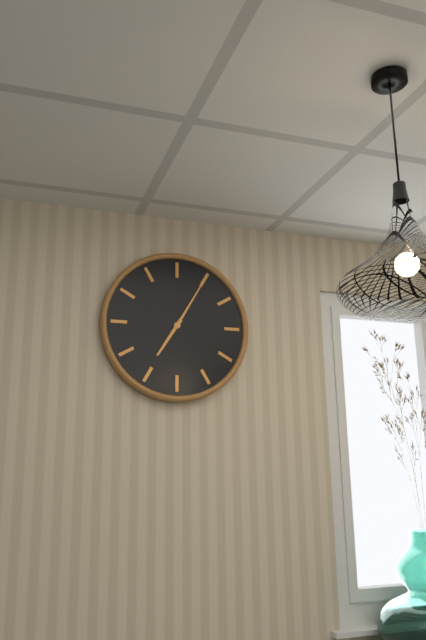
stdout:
**7:05**
